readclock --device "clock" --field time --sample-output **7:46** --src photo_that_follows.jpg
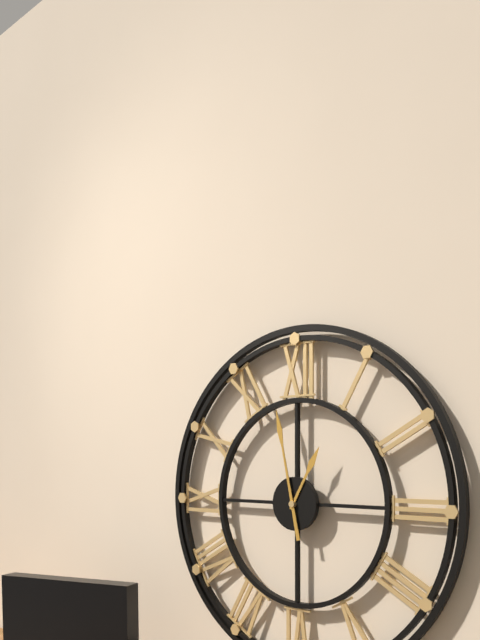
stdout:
**12:58**
